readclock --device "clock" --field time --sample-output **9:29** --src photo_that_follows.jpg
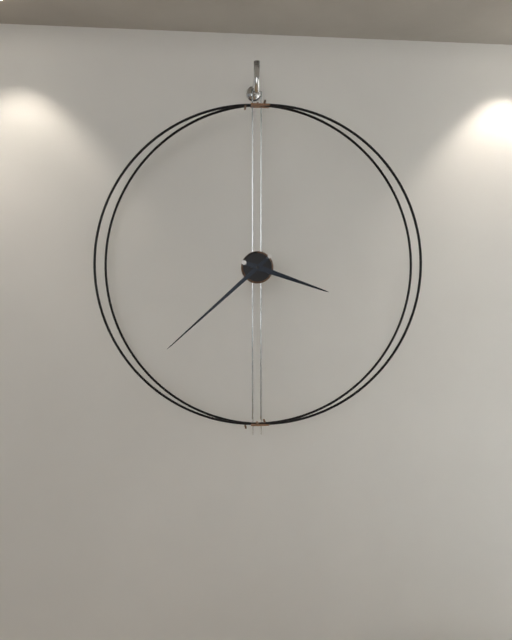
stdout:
**3:38**
